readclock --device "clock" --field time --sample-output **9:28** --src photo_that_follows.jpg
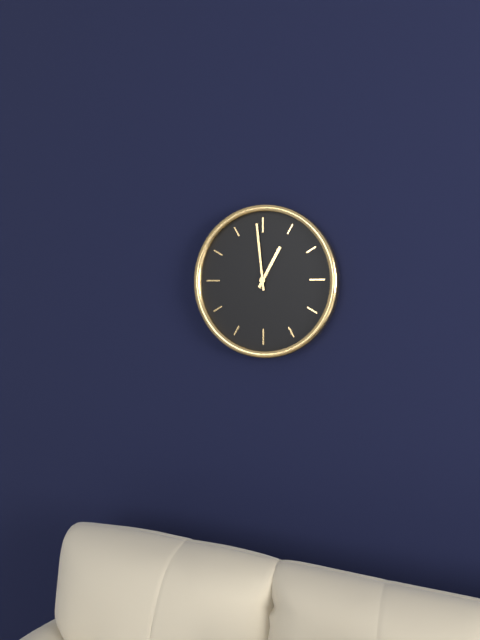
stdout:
**12:59**
